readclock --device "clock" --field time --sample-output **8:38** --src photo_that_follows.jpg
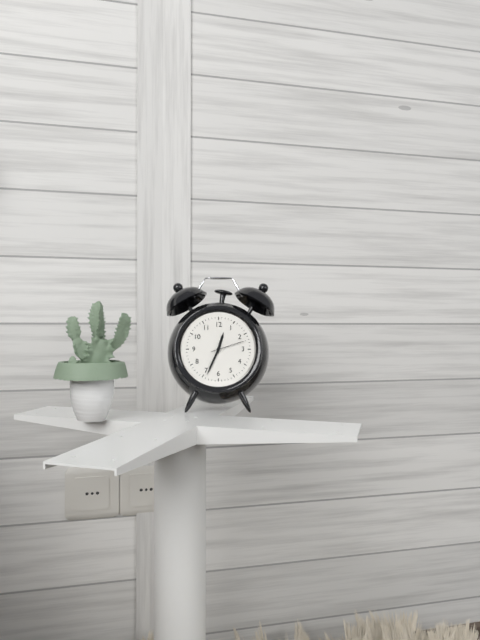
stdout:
**12:34**
